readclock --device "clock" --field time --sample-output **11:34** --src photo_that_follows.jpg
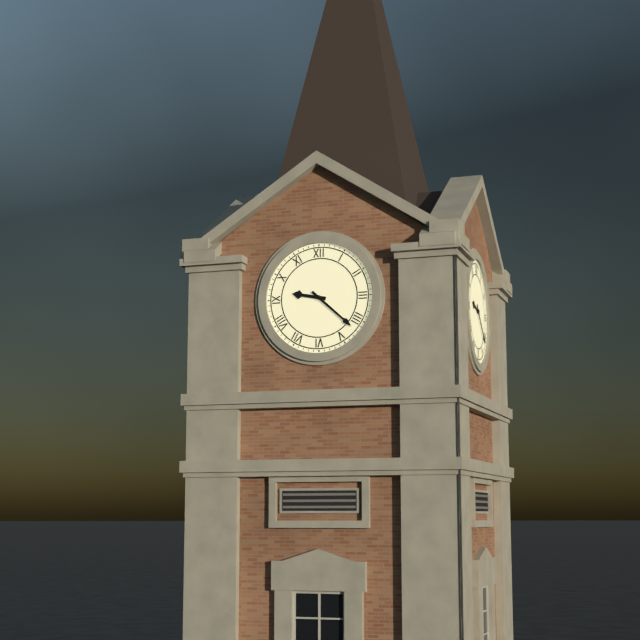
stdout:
**9:22**
